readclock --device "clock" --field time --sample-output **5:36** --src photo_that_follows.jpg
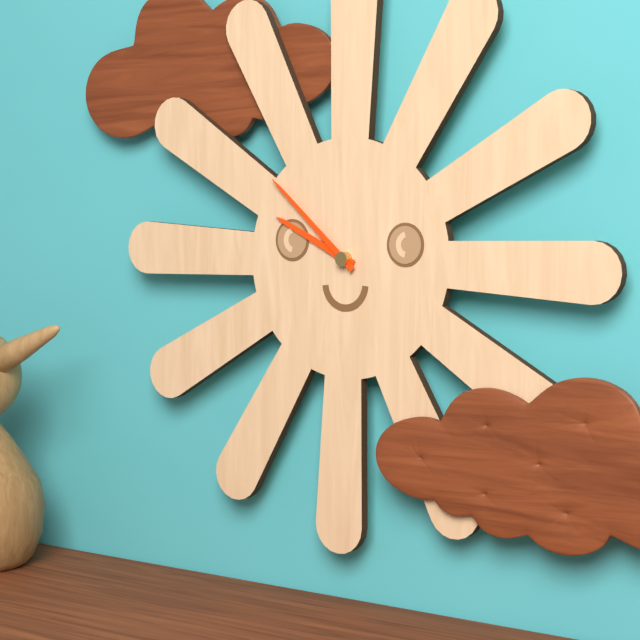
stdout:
**9:52**
